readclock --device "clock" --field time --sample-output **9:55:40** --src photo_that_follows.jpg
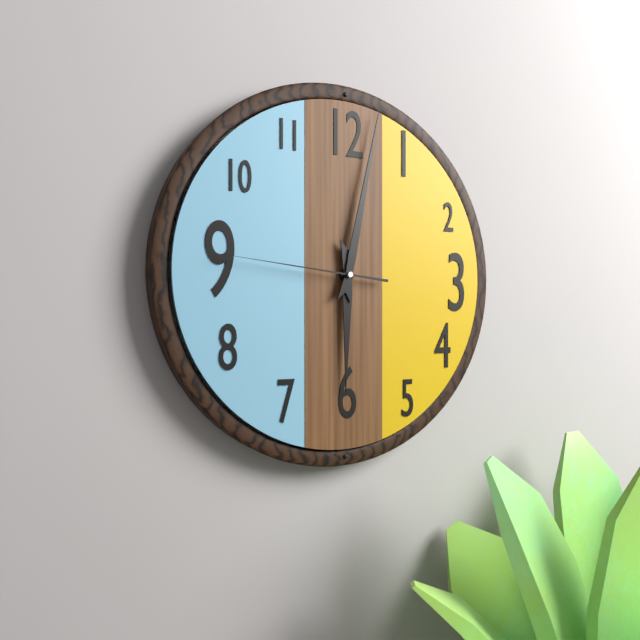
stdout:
**6:02:46**
